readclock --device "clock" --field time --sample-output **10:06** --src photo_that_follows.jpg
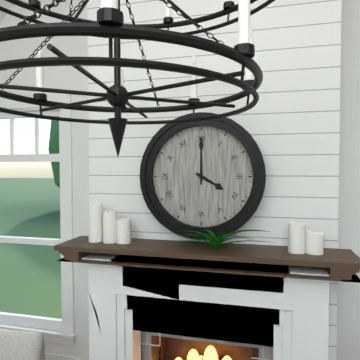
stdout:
**4:00**
